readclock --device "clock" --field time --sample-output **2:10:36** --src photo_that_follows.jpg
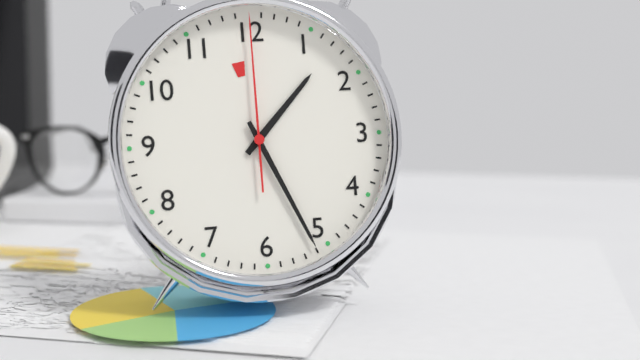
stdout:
**1:26:00**
